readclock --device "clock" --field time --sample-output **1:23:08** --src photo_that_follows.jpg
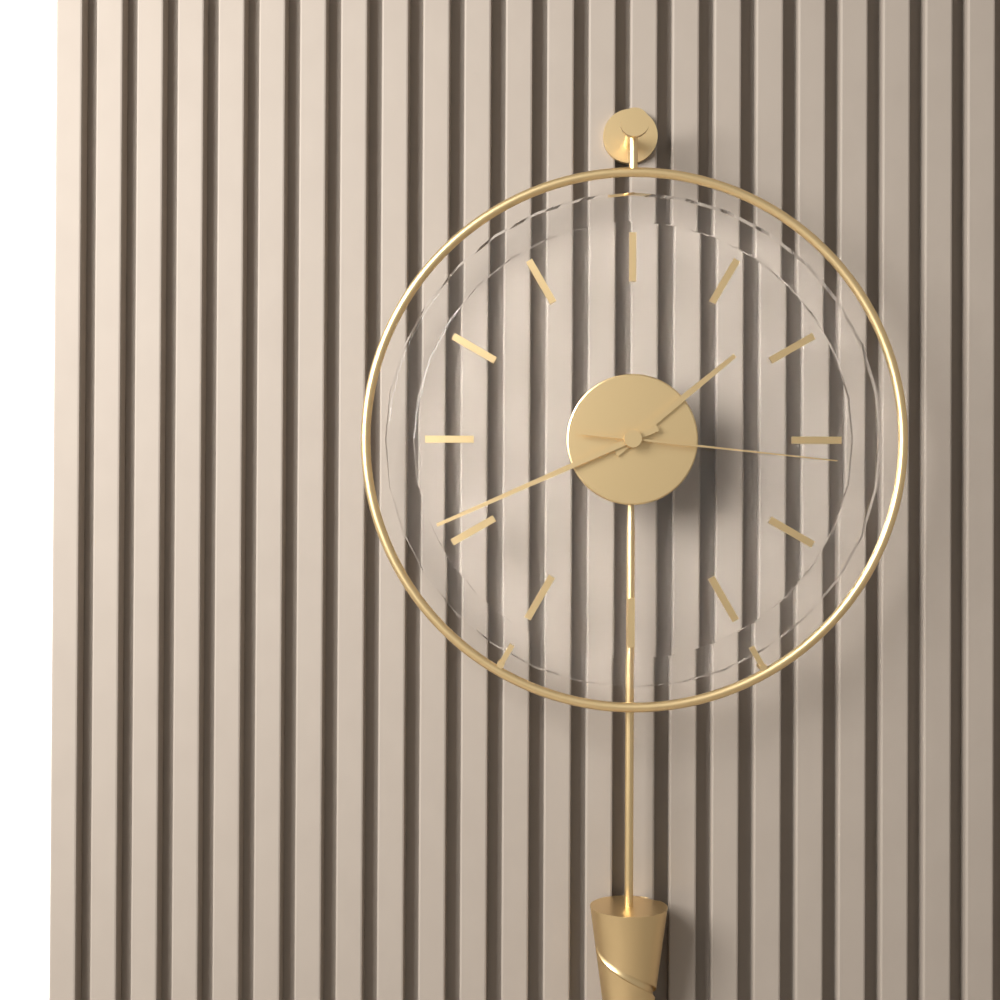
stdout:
**1:41:16**
